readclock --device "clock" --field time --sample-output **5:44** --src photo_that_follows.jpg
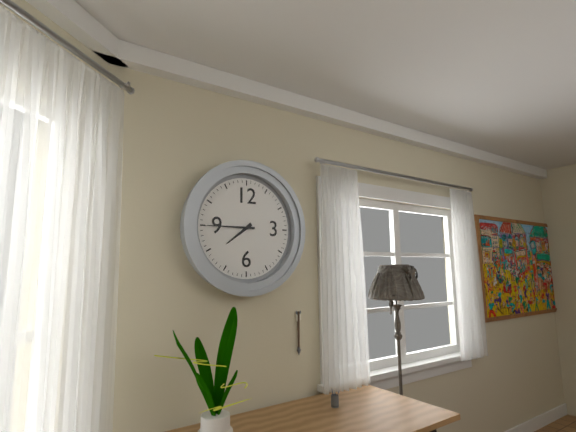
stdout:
**7:45**
